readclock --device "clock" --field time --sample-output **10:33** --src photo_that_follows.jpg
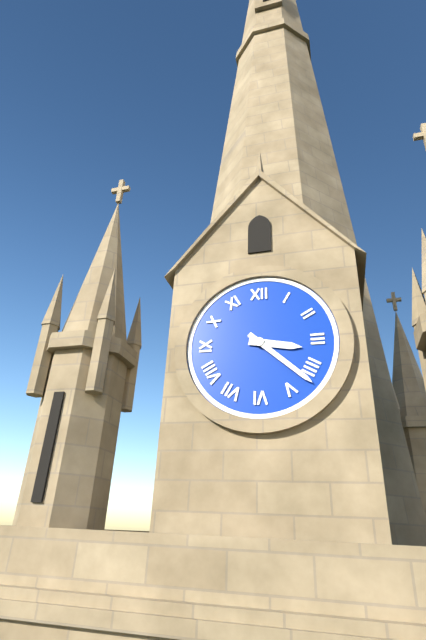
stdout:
**3:22**
